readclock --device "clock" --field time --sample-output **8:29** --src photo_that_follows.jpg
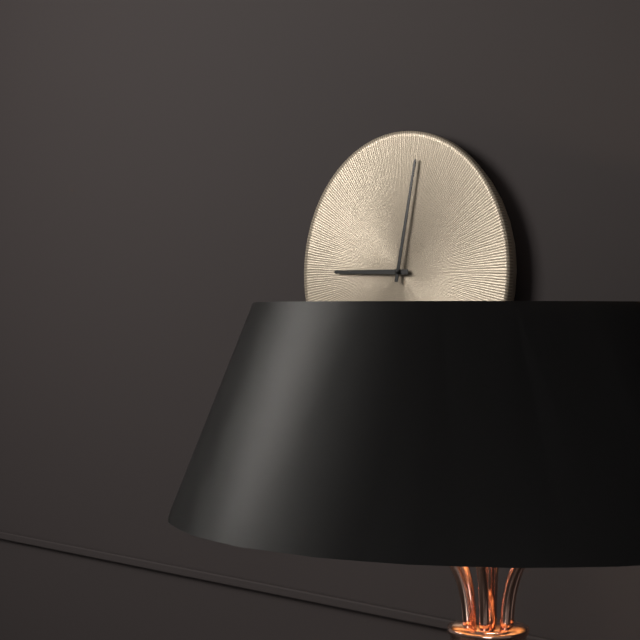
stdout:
**9:02**
